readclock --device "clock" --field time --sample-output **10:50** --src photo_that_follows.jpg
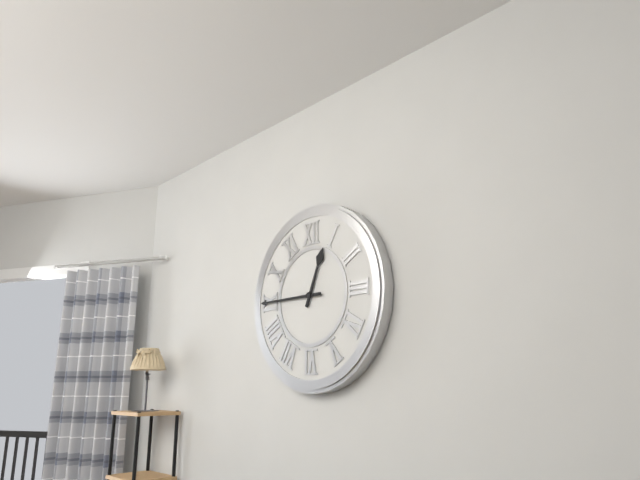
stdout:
**12:45**
